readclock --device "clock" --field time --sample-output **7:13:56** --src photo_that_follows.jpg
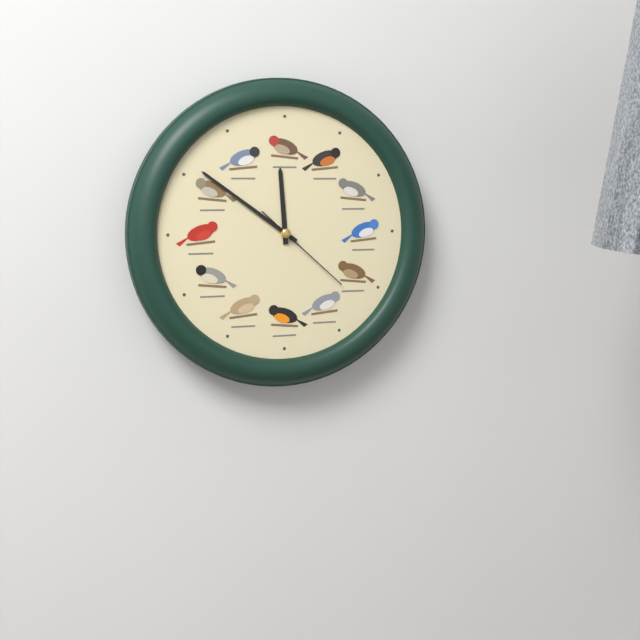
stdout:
**11:51:22**
